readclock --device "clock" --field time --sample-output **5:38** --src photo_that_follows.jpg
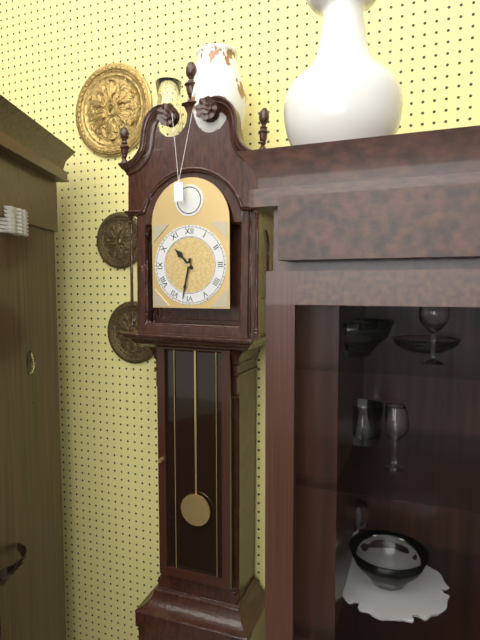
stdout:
**10:32**
